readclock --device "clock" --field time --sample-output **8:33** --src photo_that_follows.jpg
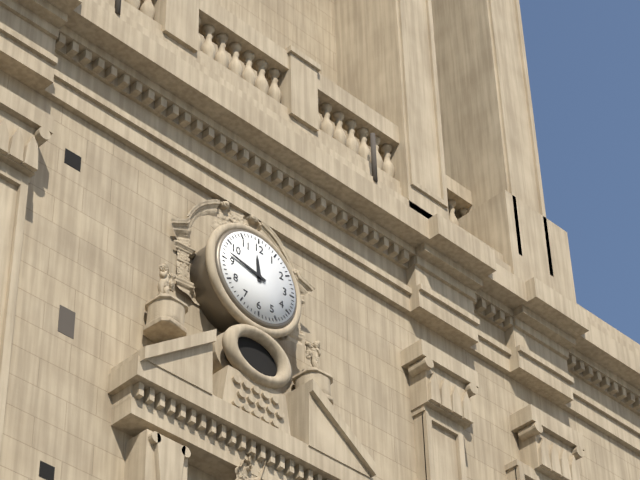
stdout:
**11:47**
